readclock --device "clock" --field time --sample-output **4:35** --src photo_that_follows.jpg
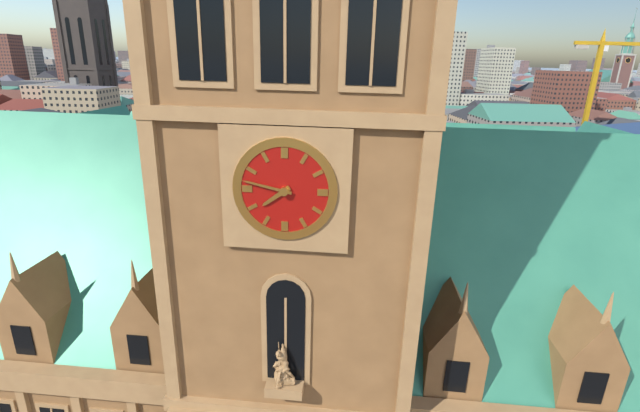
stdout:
**7:47**
